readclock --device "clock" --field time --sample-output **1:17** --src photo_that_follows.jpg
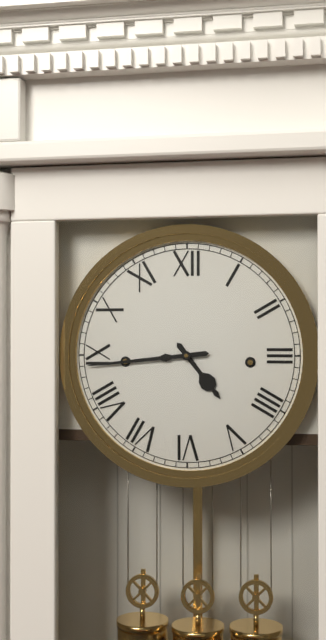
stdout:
**4:44**
